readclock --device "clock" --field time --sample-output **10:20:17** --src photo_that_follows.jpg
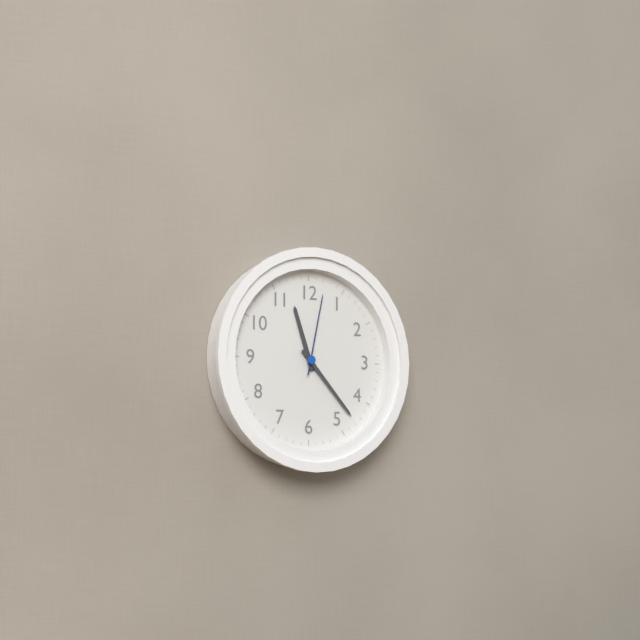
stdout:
**11:23:02**
